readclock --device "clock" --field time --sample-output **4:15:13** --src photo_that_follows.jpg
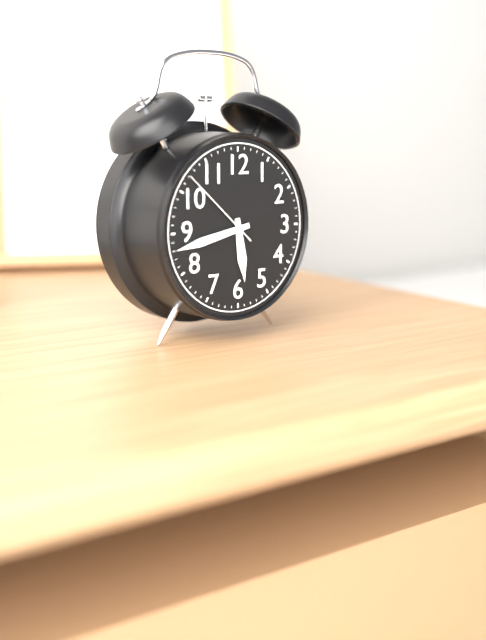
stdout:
**5:43:52**
